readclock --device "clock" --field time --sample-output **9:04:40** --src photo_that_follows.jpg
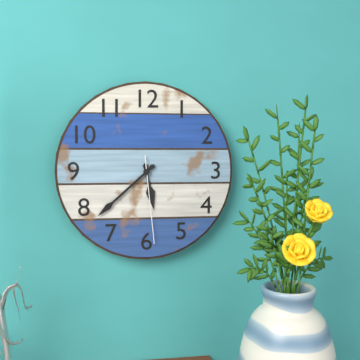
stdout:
**5:38:29**
